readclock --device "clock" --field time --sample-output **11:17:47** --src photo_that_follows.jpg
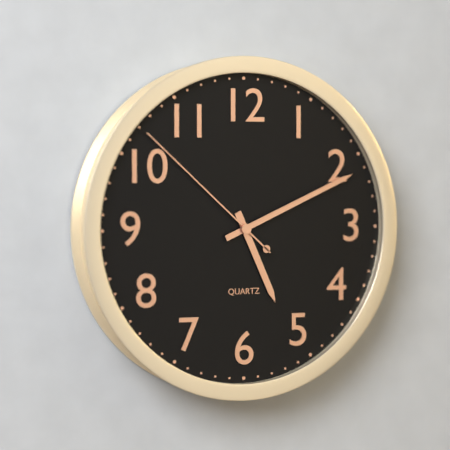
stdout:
**5:11:52**
